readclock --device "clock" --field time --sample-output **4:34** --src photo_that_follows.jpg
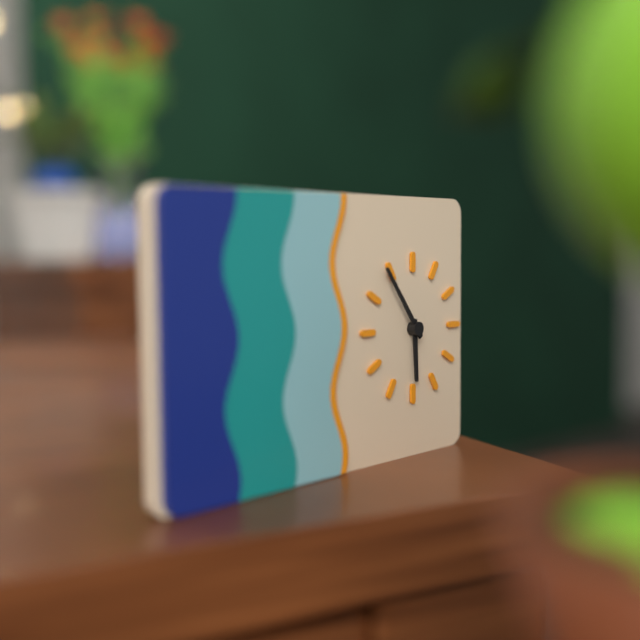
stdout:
**5:54**
